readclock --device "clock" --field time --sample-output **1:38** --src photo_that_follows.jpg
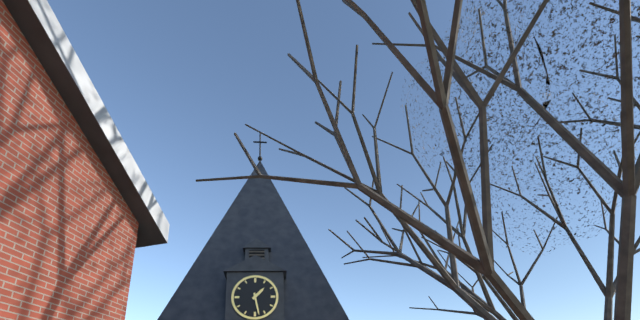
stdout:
**1:28**
